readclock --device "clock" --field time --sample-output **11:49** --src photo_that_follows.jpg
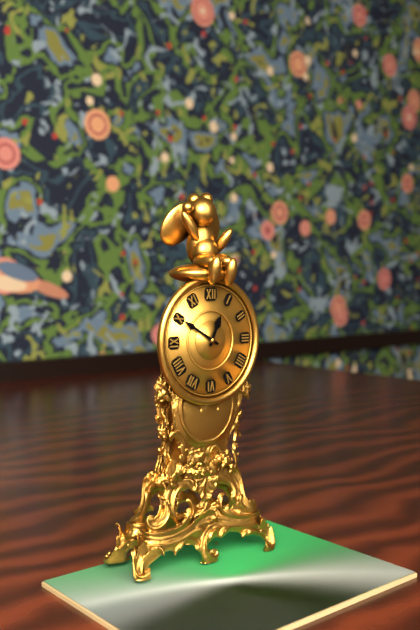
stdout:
**12:50**
